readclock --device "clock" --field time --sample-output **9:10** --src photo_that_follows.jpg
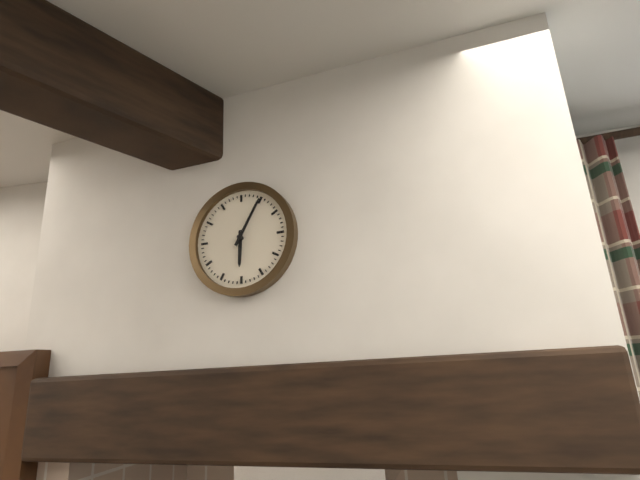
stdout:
**6:05**
